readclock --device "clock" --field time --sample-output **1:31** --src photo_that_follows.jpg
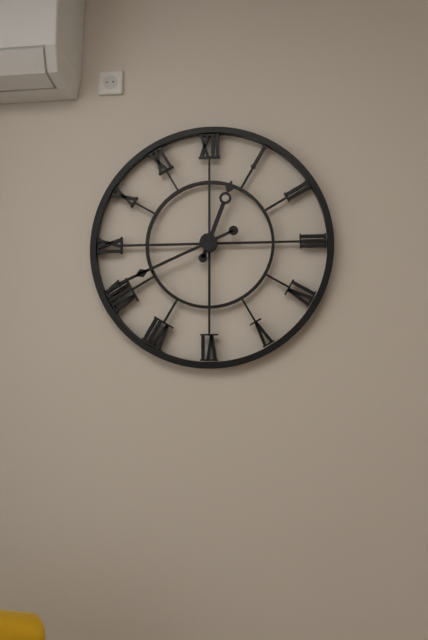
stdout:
**12:41**
